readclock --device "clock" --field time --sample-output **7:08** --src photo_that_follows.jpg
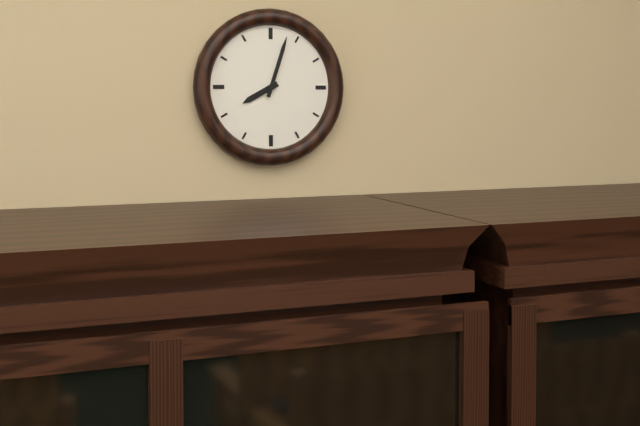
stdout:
**8:03**
